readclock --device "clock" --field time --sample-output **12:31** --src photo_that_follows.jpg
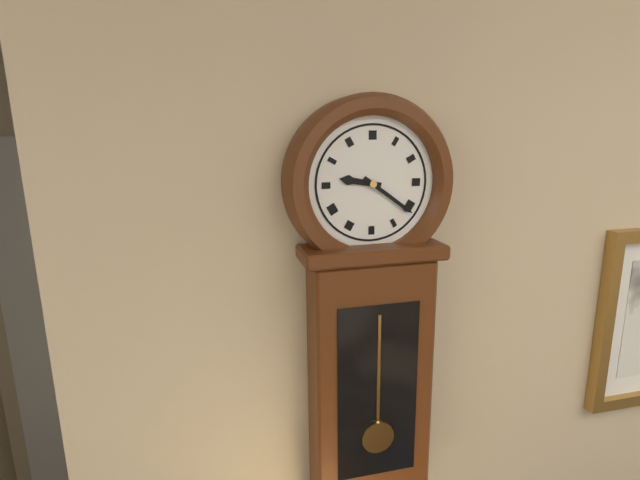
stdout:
**9:21**
